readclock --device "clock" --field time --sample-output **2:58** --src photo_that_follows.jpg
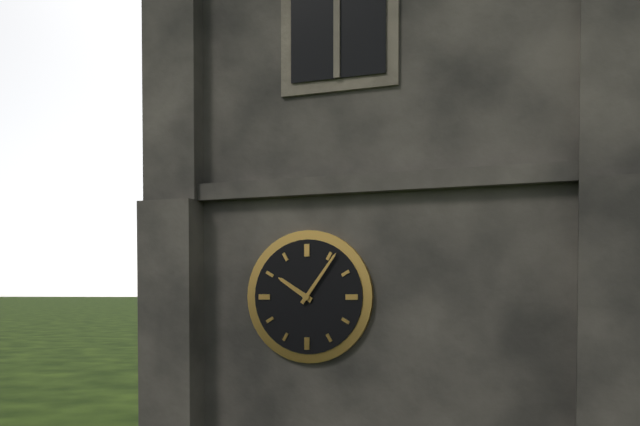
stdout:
**10:06**
